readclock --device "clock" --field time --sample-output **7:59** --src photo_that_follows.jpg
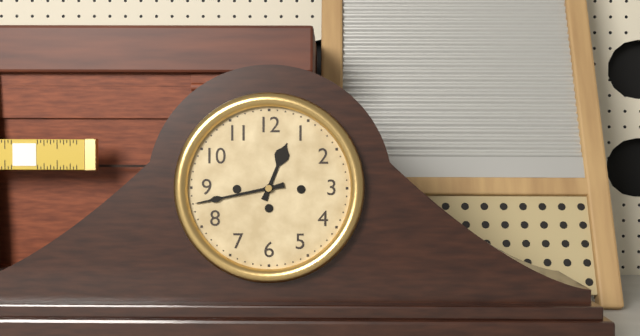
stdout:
**12:43**
